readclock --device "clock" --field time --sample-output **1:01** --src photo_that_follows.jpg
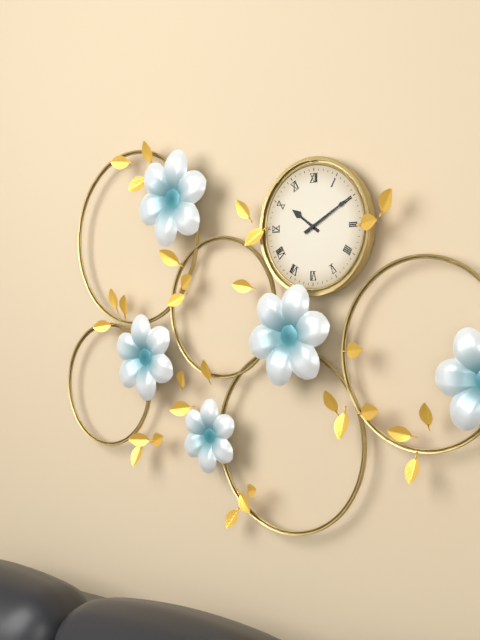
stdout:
**10:10**
